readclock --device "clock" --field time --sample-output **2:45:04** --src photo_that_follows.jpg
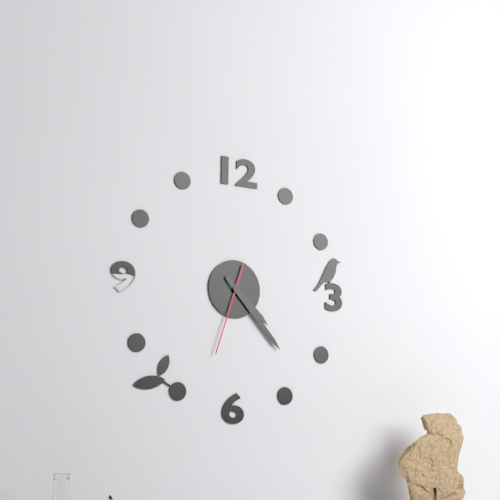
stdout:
**4:23:33**
